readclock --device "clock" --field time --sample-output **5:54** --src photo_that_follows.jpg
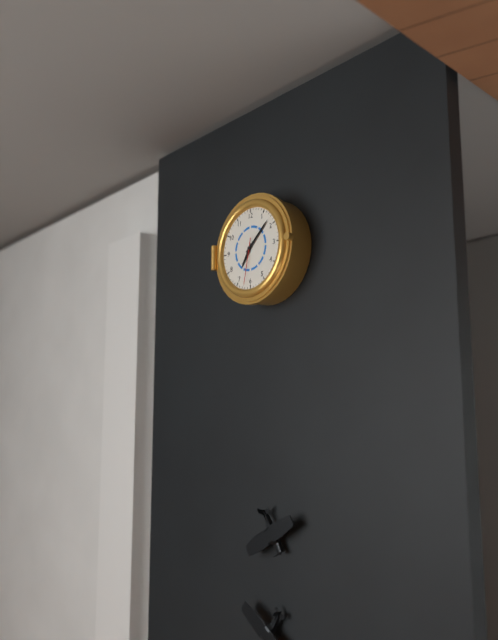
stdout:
**7:08**
